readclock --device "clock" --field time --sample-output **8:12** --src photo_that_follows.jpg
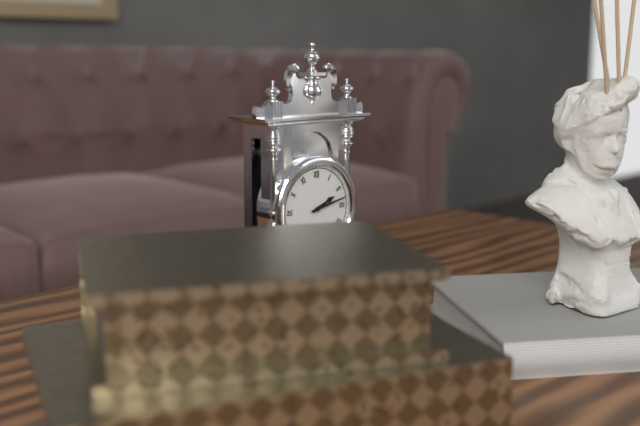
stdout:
**2:13**
